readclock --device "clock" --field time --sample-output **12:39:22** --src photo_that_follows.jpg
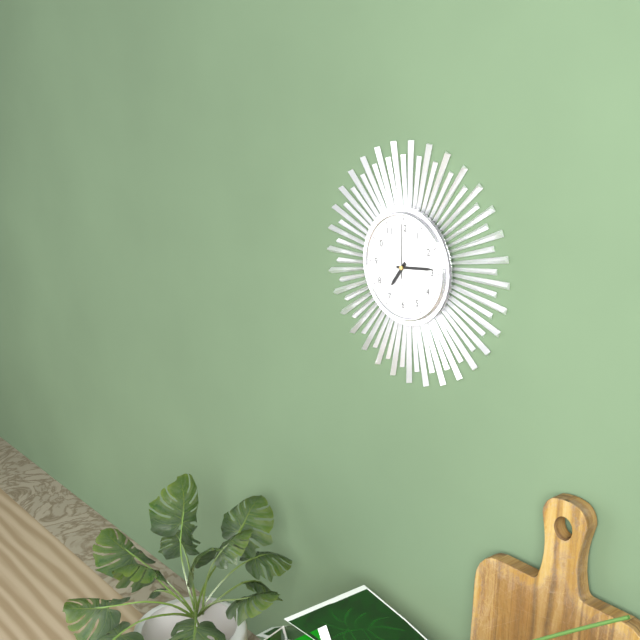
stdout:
**7:14:00**
